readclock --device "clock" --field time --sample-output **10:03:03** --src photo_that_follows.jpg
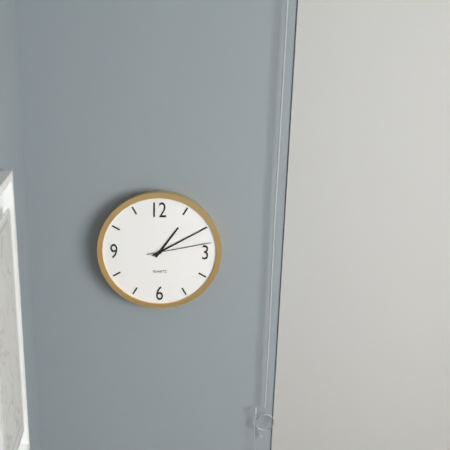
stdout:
**1:10:13**
